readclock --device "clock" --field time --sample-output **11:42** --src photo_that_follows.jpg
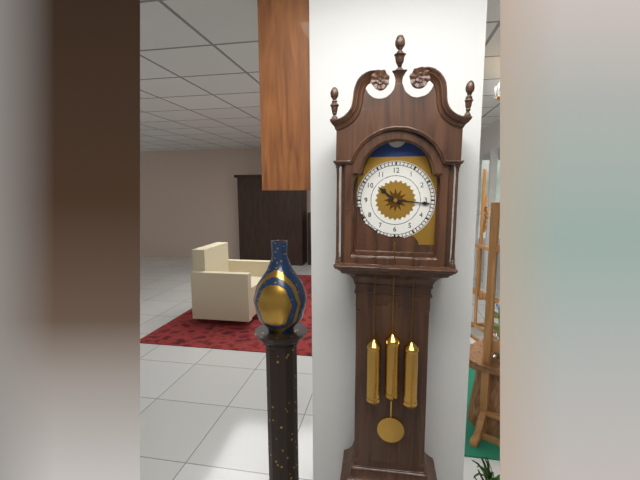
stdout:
**10:16**
